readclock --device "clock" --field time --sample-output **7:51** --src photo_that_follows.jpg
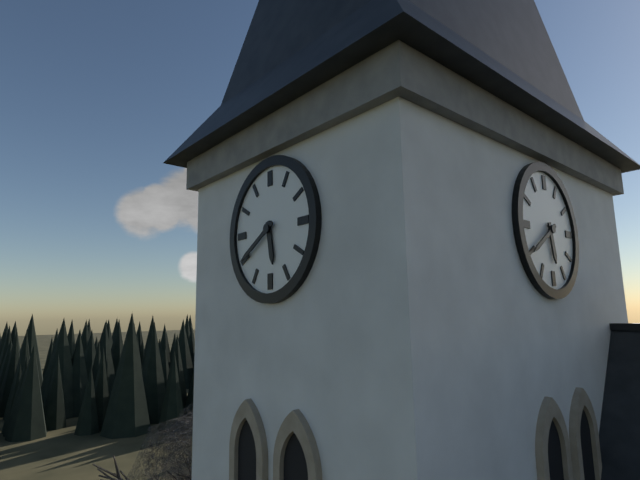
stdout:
**5:40**
